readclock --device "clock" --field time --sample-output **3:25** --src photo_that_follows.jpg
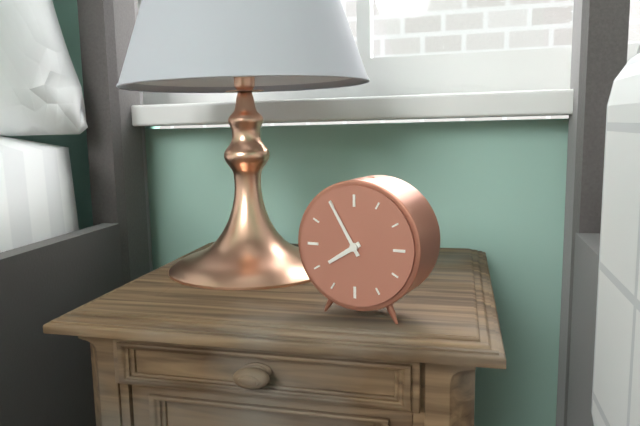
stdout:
**7:55**
